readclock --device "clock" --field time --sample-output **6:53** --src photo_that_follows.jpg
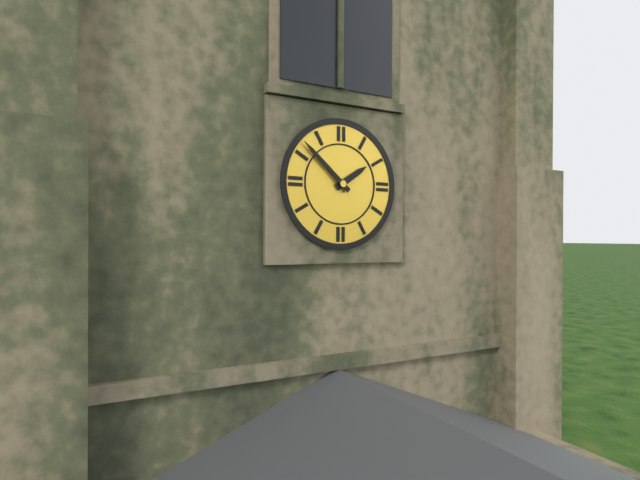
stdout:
**1:52**
